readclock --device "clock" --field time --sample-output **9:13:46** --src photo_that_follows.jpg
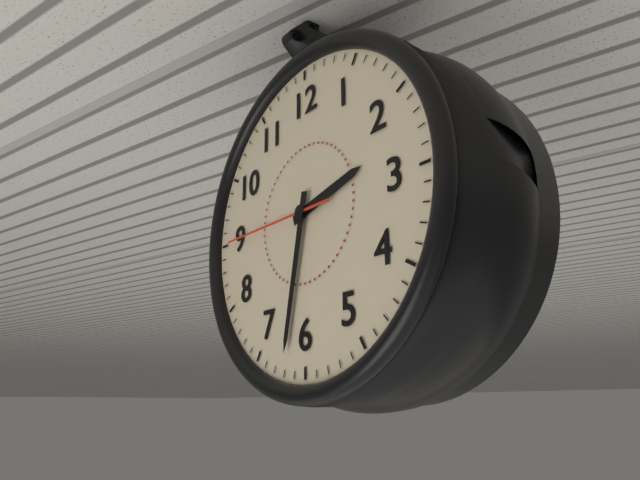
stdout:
**2:32:45**
